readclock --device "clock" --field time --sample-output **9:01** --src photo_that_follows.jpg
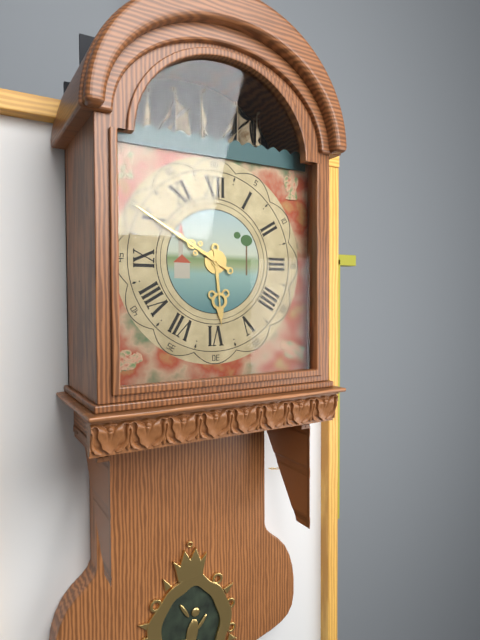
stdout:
**5:50**
